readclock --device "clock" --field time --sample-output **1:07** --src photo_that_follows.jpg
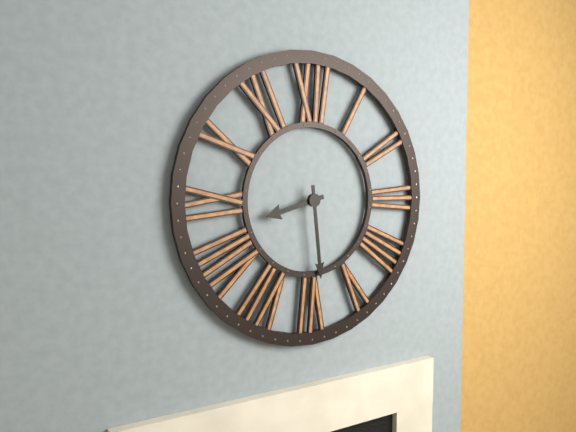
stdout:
**8:29**
